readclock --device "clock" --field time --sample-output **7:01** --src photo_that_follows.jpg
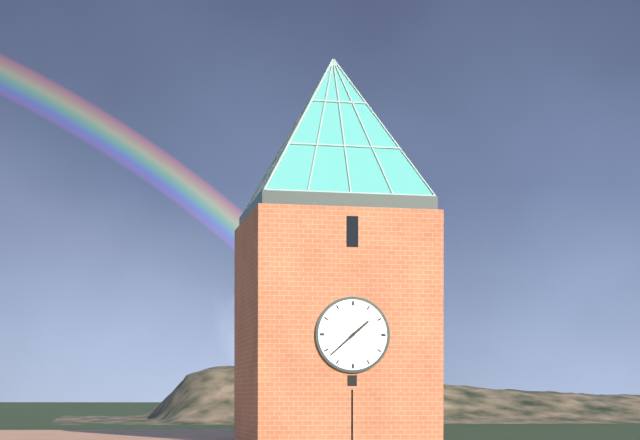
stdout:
**1:38**
